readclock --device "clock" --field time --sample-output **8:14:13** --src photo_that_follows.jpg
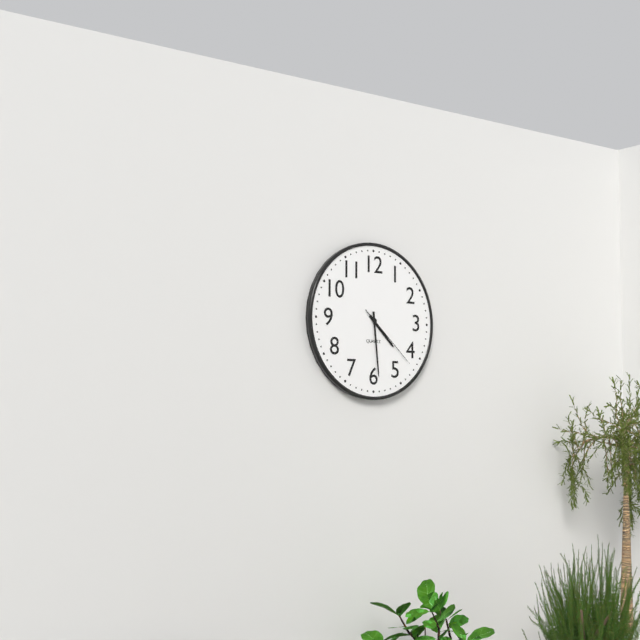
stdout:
**4:29:22**
